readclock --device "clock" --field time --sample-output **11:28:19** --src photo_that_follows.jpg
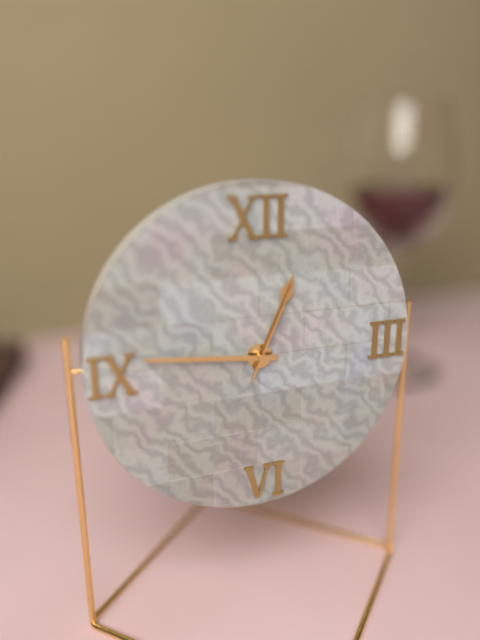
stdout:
**12:46:04**
